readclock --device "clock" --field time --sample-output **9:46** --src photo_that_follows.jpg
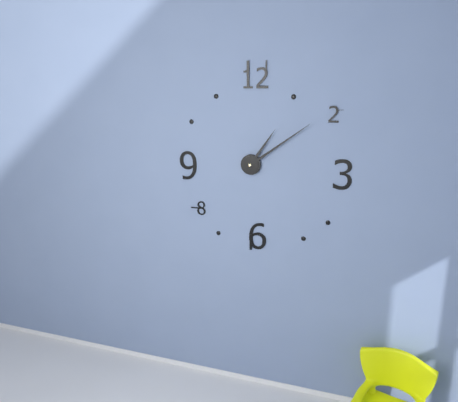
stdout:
**1:09**
